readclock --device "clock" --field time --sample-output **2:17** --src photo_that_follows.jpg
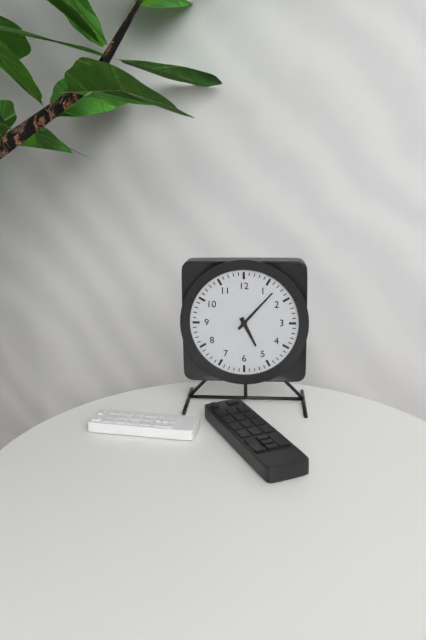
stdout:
**5:07**
